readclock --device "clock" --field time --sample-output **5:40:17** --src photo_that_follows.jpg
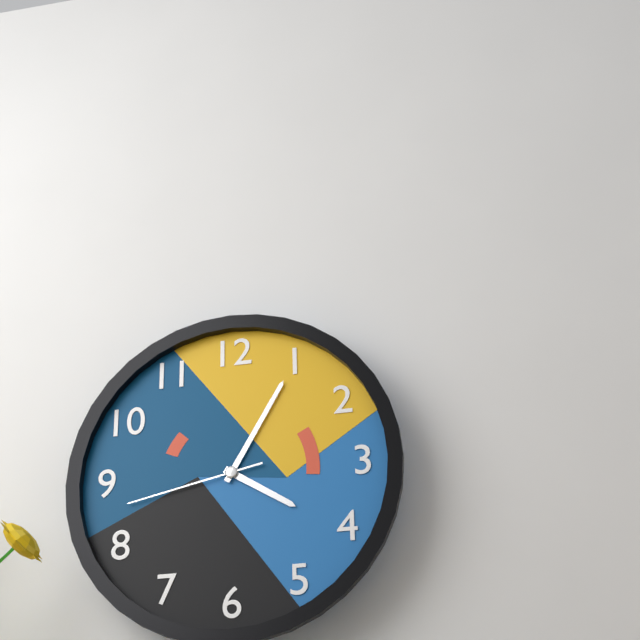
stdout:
**4:05:43**
